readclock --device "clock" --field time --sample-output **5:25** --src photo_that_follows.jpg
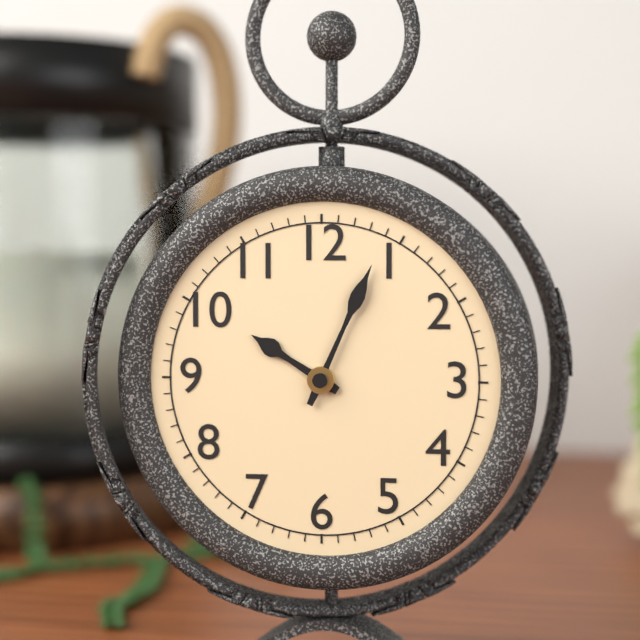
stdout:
**10:04**
